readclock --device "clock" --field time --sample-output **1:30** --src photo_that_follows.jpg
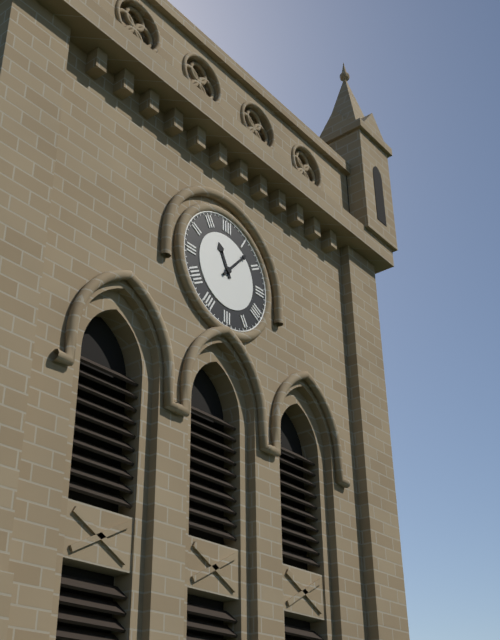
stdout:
**11:07**
